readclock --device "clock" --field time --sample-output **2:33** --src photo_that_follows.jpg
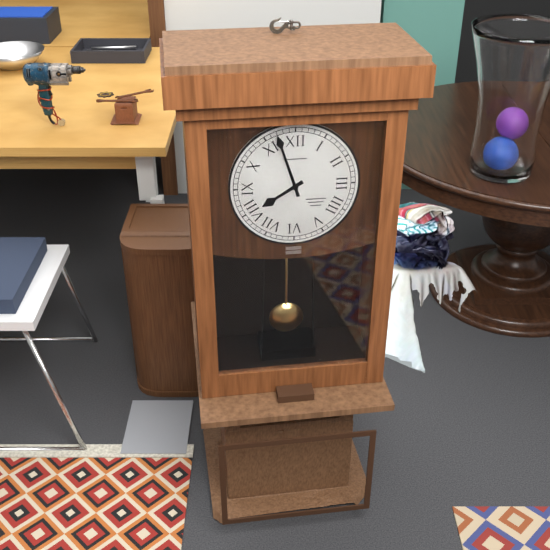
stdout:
**7:57**
